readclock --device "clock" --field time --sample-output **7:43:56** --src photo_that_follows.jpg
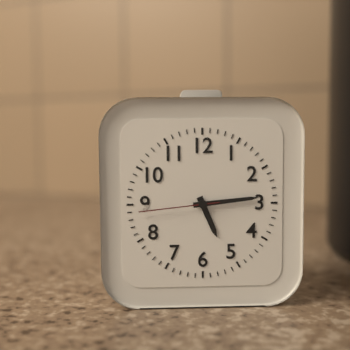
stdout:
**5:14:44**
